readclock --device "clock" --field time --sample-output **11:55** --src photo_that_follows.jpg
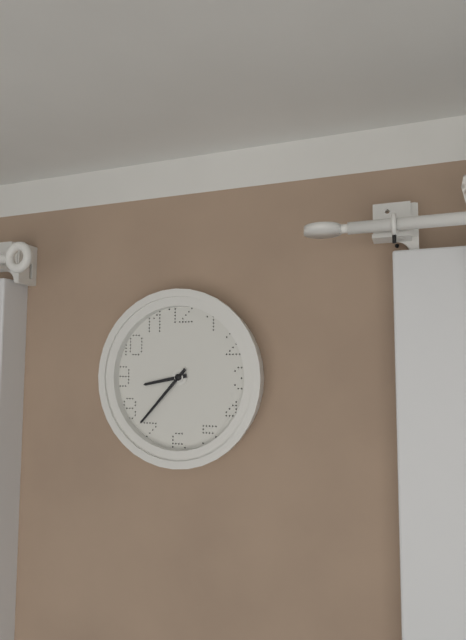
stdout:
**8:37**
